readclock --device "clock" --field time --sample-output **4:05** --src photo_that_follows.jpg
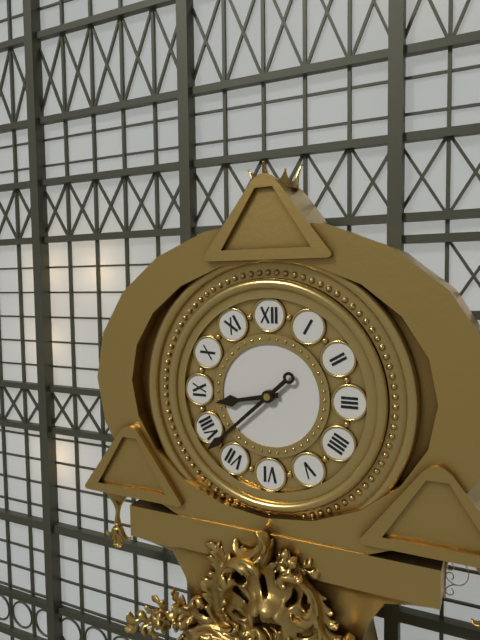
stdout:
**8:38**
